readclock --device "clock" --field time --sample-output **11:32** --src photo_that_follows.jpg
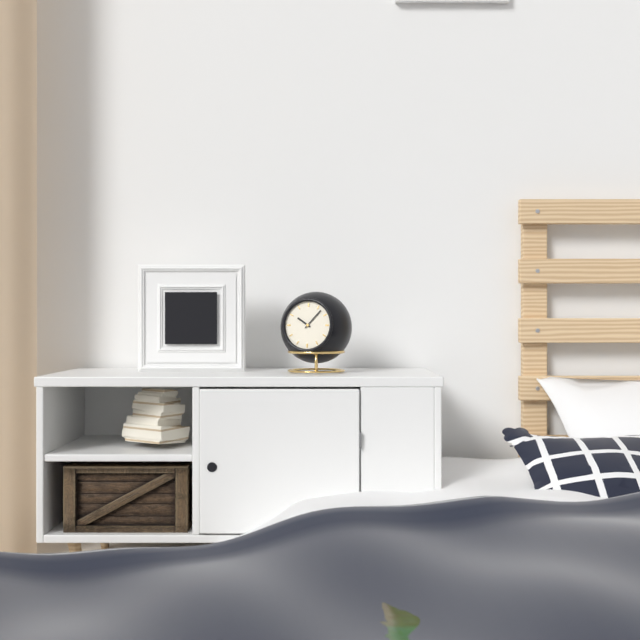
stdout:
**10:07**
